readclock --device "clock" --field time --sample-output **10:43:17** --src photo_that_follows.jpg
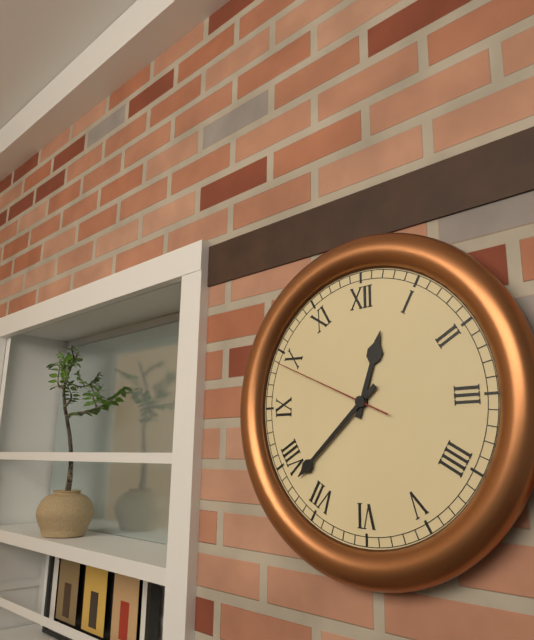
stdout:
**12:38:49**
